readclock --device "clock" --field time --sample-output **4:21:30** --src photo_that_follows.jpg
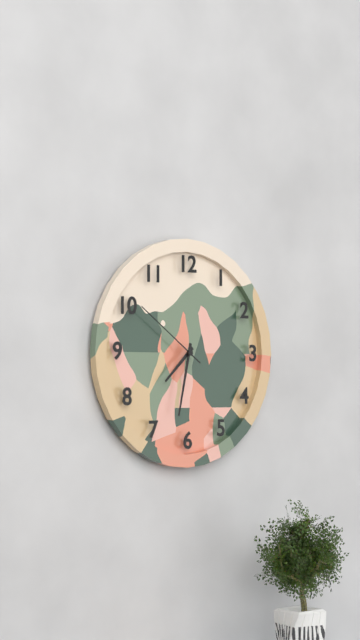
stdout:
**7:32:51**
